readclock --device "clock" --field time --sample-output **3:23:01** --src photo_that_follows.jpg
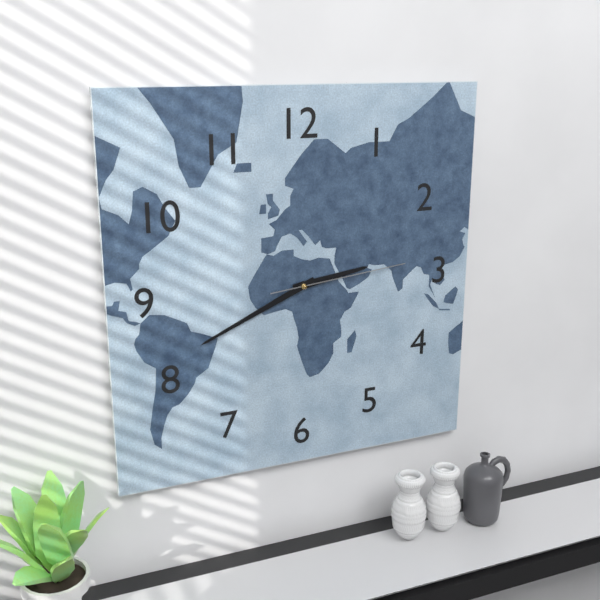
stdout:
**2:41:14**
